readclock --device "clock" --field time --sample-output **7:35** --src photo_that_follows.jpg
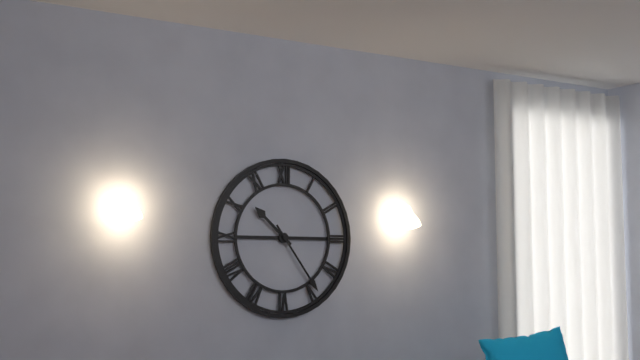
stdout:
**10:24**
